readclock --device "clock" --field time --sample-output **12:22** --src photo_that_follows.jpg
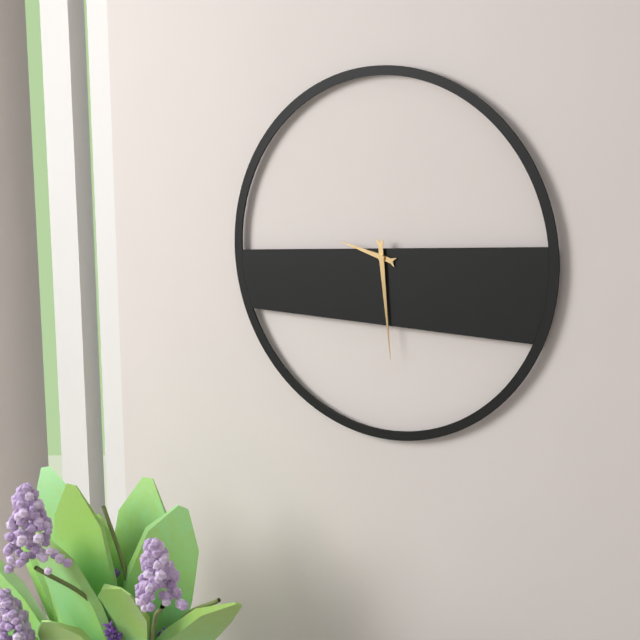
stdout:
**9:29**
